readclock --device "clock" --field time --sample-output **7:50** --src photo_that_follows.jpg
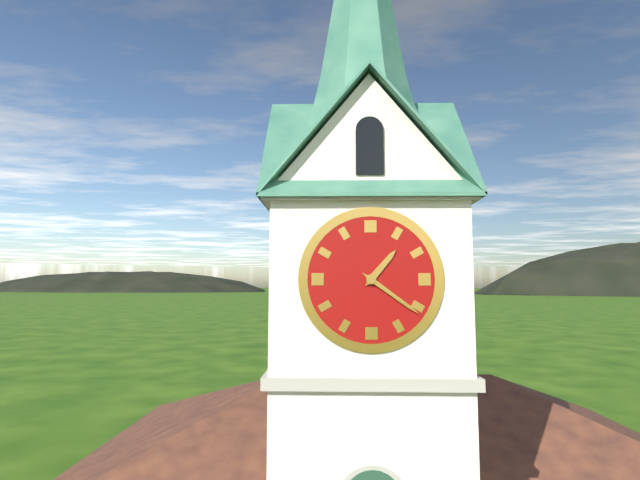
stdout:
**1:21**
